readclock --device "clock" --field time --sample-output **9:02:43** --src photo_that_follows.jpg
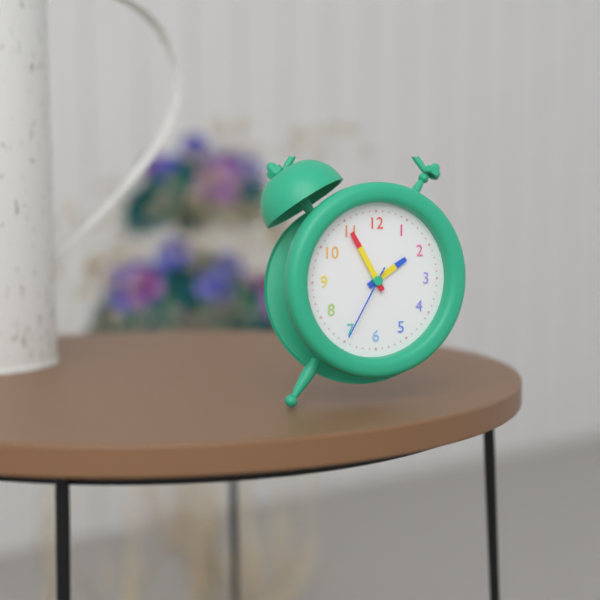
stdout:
**1:55:35**
